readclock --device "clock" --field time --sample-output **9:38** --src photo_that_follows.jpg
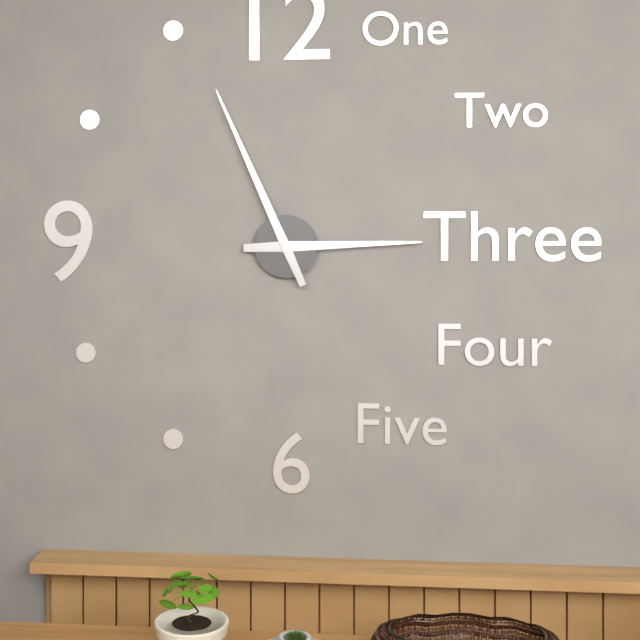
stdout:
**2:56**
